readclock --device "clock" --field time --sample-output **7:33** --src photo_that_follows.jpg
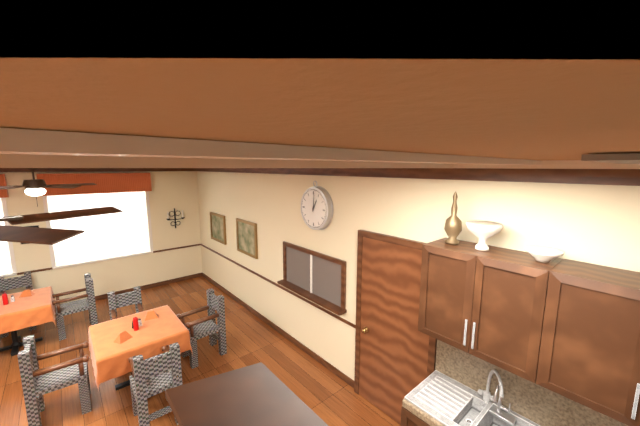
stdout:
**1:01**
